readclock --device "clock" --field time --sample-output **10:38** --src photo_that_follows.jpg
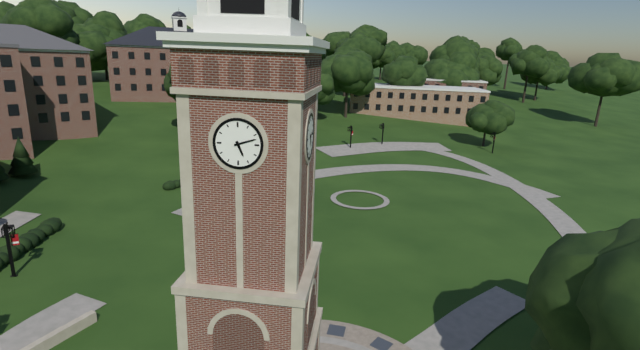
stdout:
**5:12**
